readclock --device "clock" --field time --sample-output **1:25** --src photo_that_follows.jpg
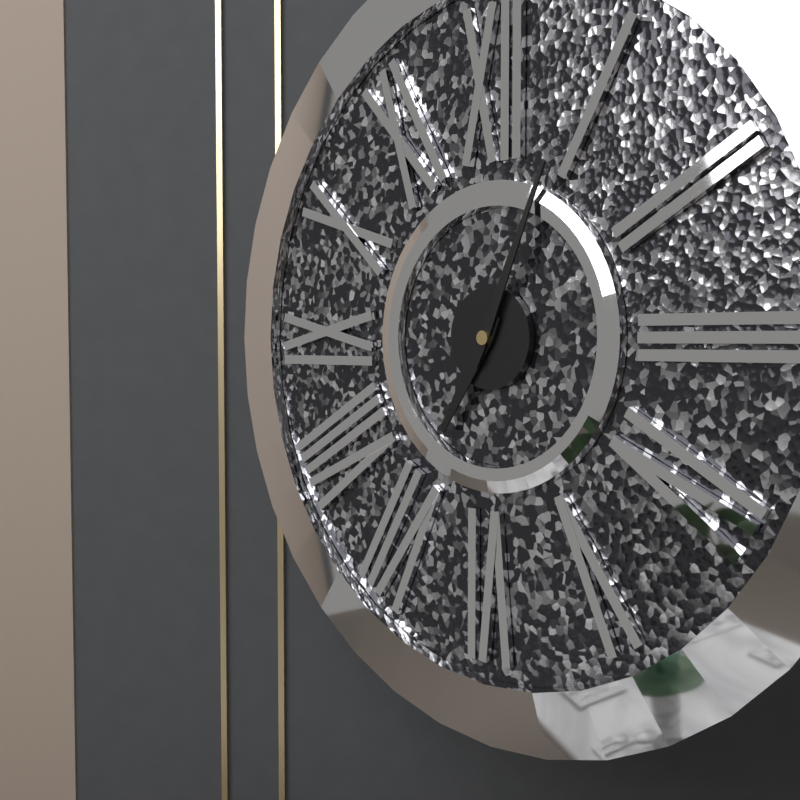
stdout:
**7:04**
